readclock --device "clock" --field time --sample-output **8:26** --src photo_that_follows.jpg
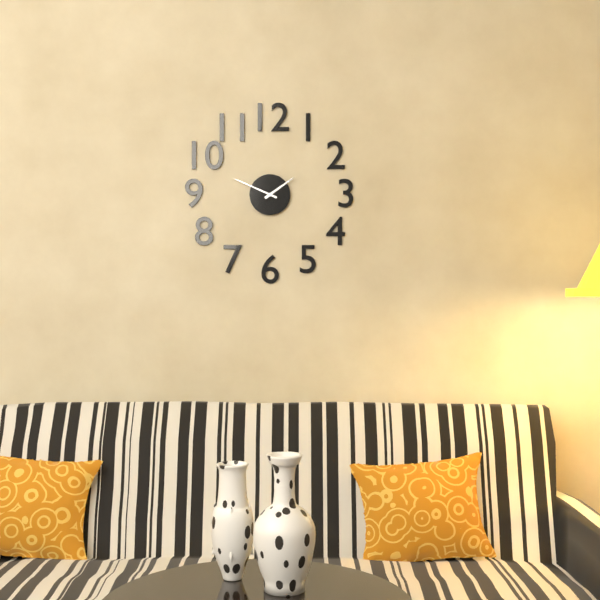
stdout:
**1:49**
